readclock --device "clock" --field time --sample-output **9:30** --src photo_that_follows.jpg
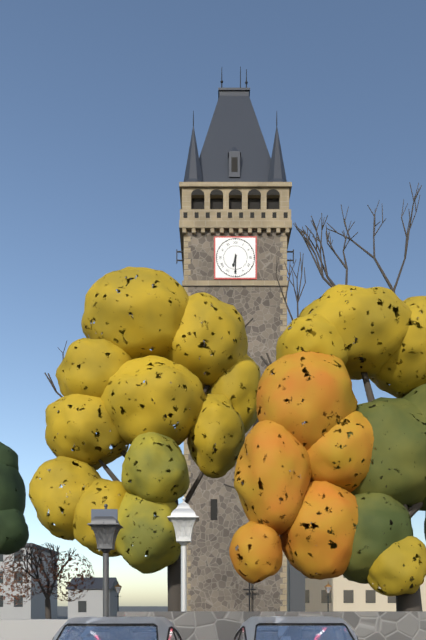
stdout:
**6:30**
